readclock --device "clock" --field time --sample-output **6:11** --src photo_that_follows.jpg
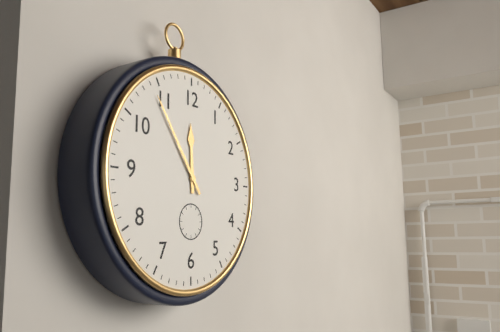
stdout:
**11:54**
